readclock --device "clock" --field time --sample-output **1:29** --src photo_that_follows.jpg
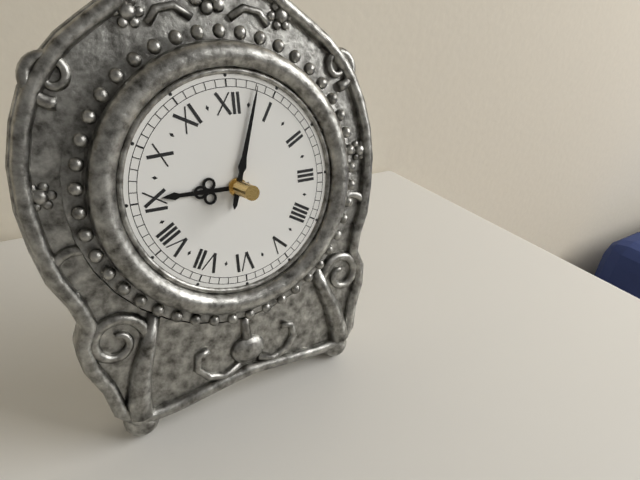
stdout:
**9:03**
